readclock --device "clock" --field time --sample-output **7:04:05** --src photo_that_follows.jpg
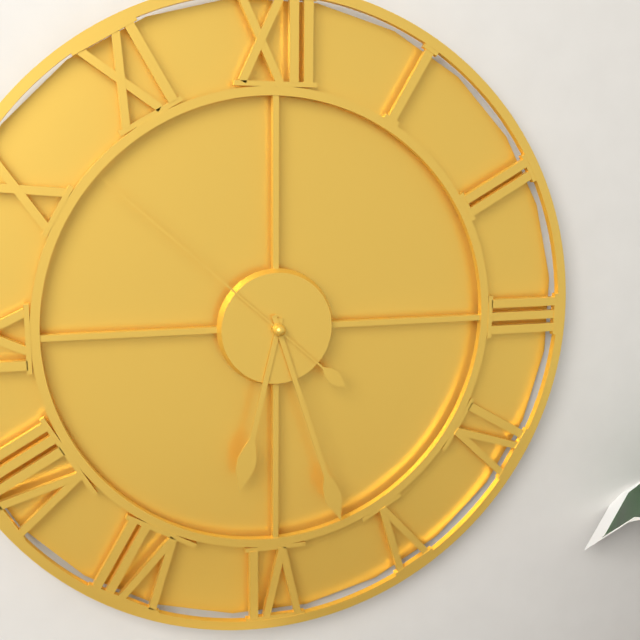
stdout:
**6:27:52**
